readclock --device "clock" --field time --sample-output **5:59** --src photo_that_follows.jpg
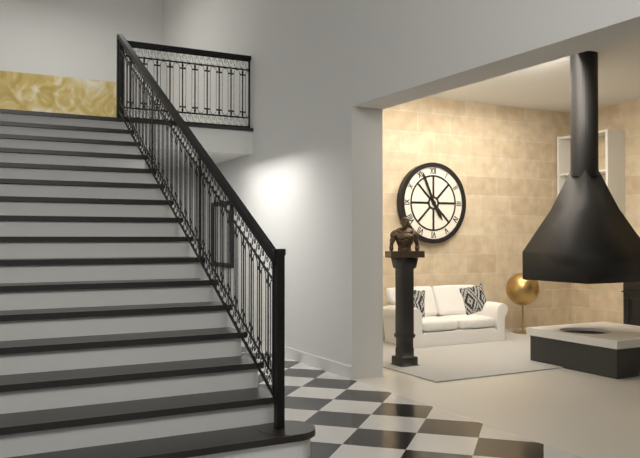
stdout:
**4:56**
